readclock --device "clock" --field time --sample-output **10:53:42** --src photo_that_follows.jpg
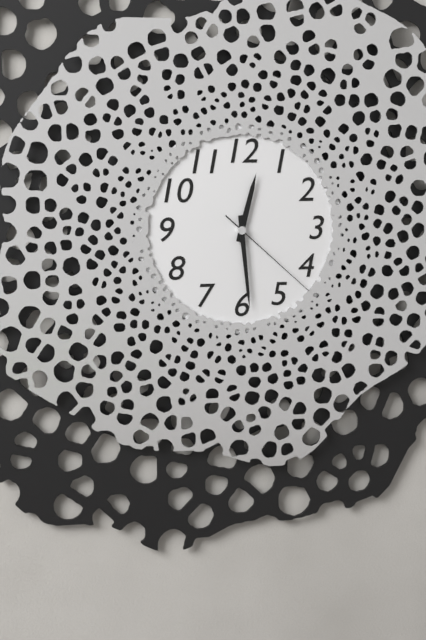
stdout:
**12:29:22**
